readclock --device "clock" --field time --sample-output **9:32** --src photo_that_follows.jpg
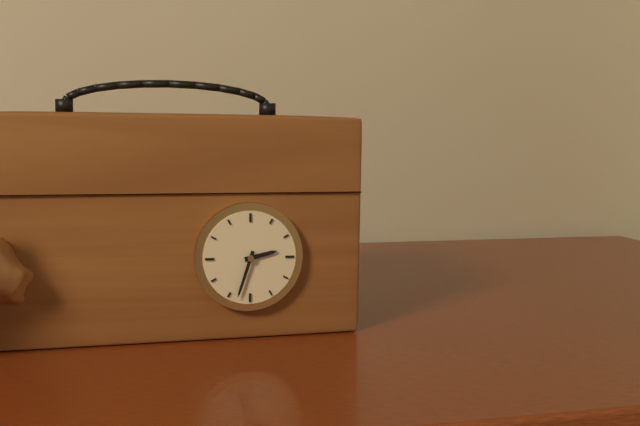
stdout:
**2:33**
